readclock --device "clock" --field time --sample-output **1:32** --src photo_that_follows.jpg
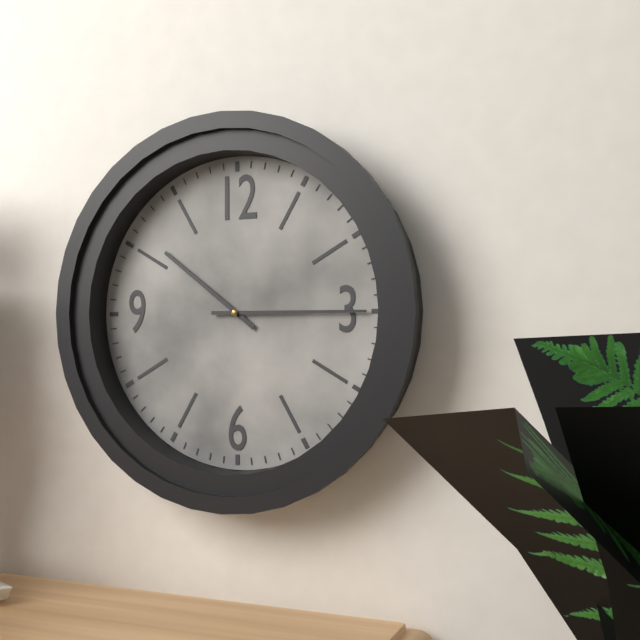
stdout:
**10:15**
